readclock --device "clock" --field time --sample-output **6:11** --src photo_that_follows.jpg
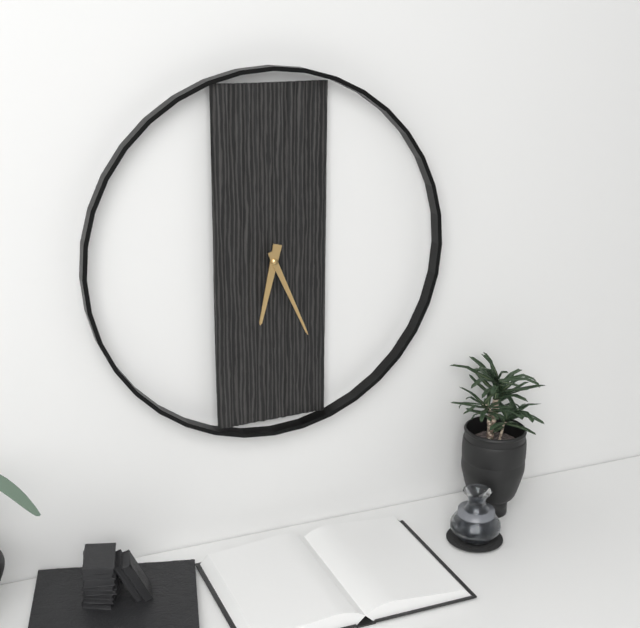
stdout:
**6:26**
